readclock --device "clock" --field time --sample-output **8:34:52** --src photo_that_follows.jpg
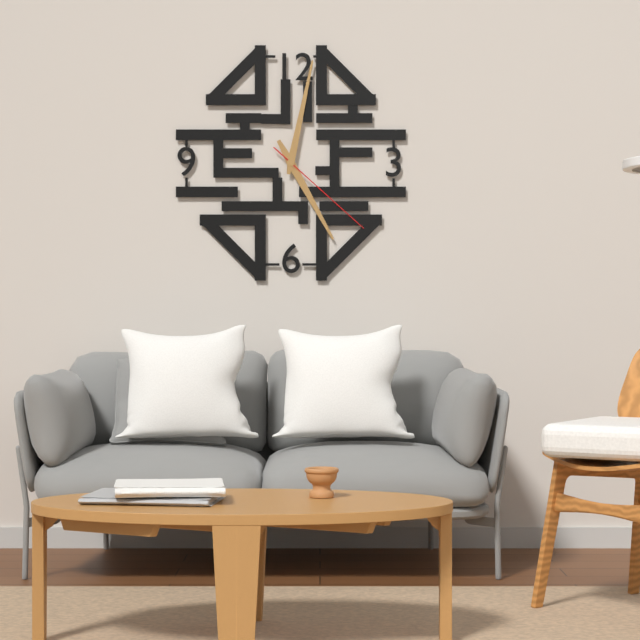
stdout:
**5:02:22**
